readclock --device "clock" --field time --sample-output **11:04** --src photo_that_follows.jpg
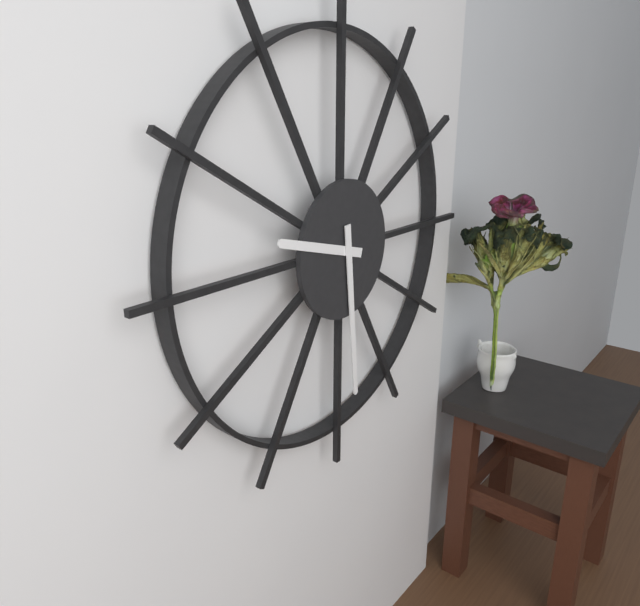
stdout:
**9:29**
